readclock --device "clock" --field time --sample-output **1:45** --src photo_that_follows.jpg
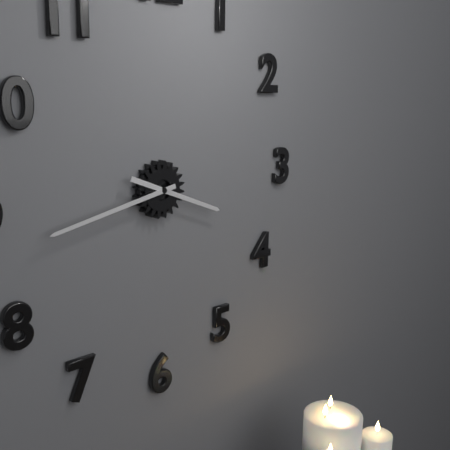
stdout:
**3:43**
